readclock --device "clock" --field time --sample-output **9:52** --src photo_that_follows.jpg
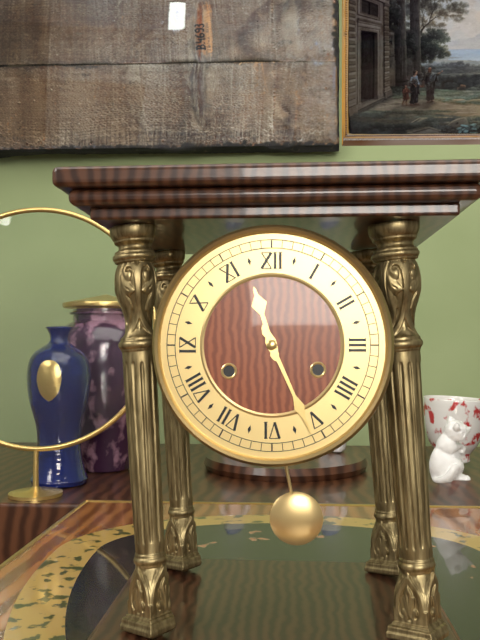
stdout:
**11:26**
